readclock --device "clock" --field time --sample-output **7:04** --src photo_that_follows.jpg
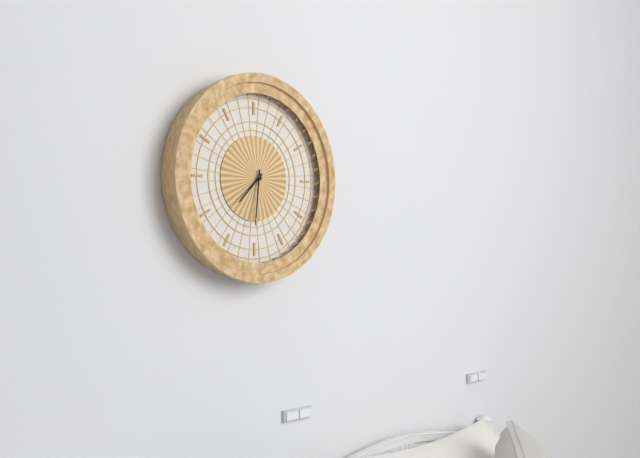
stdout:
**7:31**
